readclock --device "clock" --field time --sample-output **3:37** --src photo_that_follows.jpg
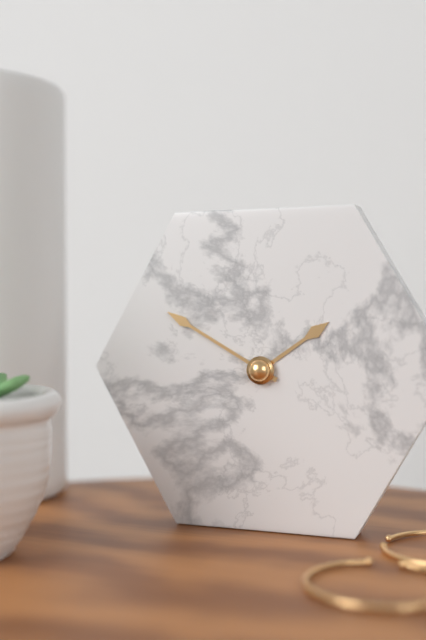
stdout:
**1:50**
